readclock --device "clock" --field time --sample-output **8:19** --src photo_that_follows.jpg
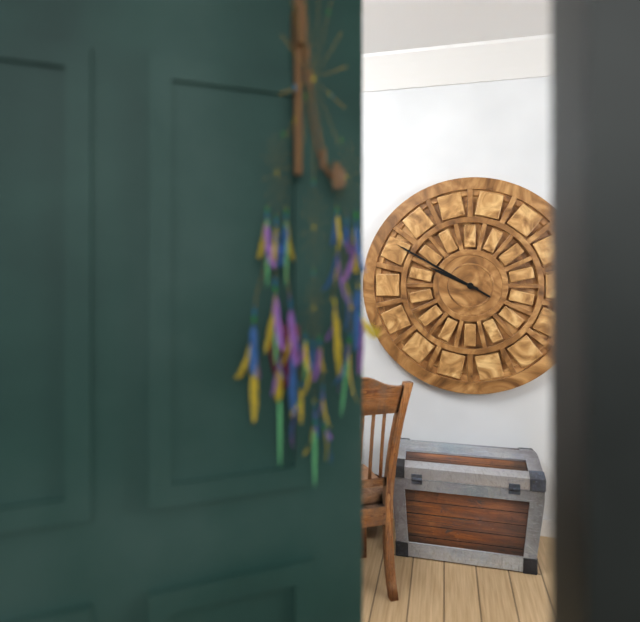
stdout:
**9:50**
